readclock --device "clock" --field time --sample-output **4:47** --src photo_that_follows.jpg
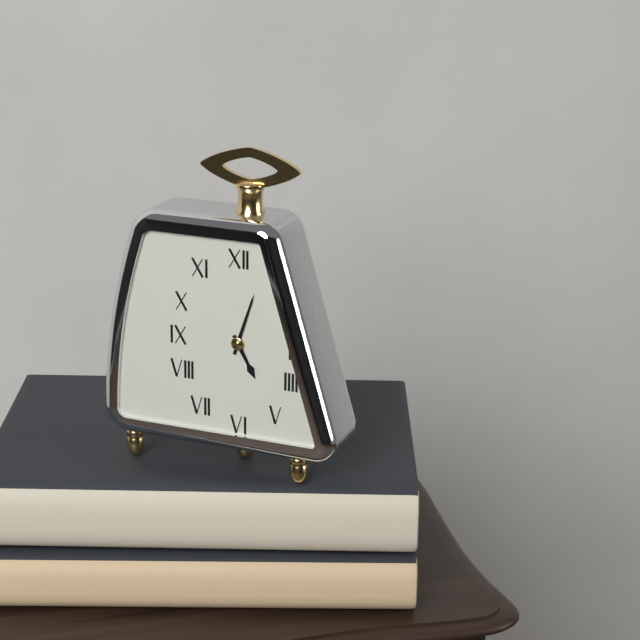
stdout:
**5:03**
